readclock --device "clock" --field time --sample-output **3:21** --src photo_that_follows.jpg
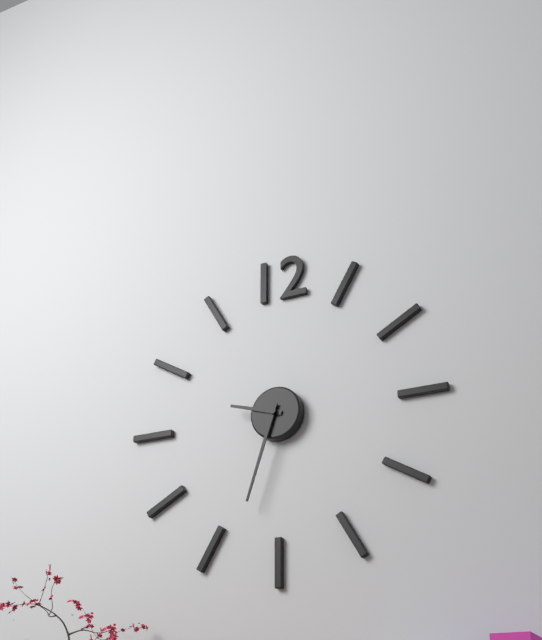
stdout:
**9:33**
